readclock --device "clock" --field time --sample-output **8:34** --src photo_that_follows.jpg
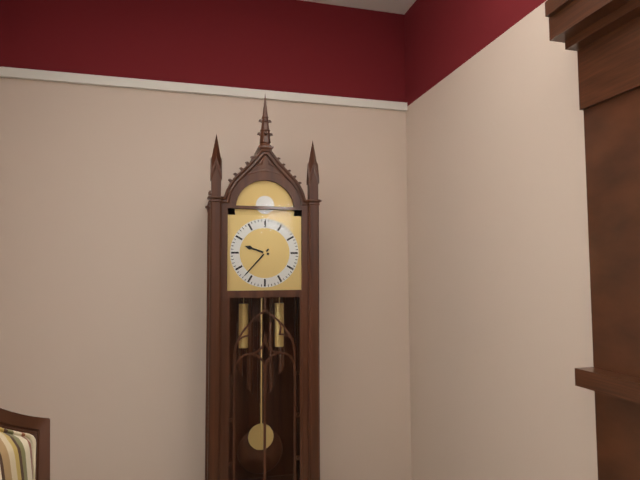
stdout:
**9:37**
